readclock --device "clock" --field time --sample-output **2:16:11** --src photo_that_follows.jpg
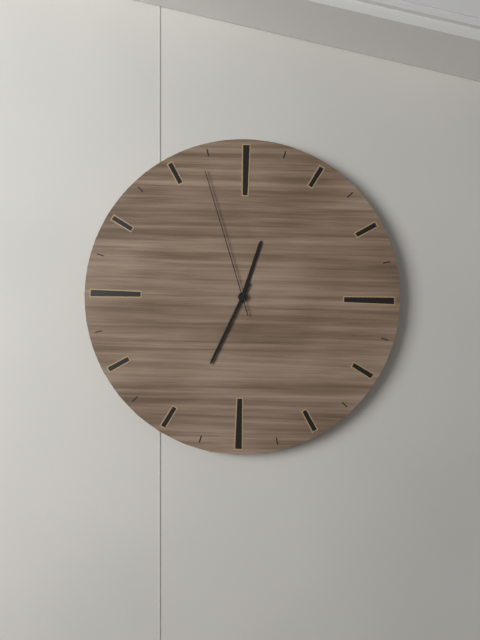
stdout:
**12:34:57**
